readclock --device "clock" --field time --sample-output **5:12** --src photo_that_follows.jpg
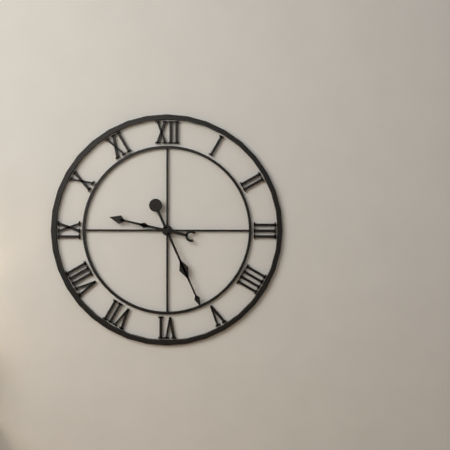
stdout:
**9:26**
